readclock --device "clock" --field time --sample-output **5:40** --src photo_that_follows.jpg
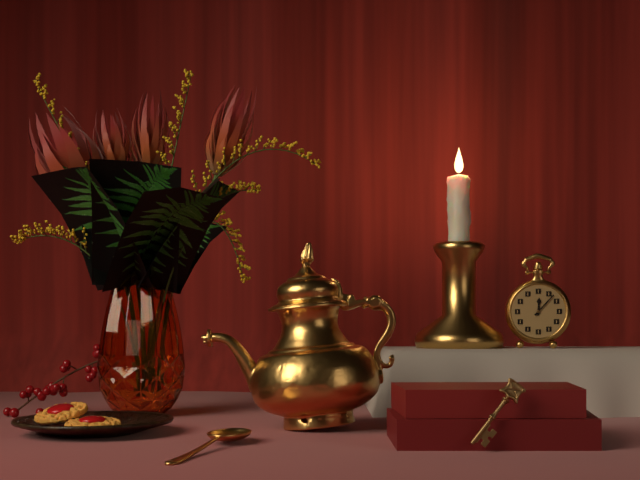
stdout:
**12:07**
